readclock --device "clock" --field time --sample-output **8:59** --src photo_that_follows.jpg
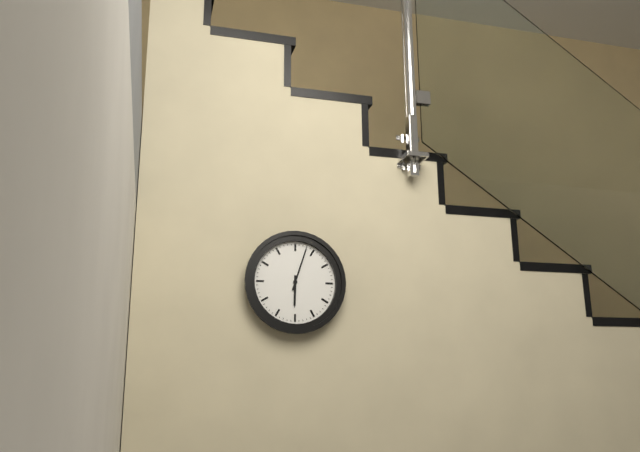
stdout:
**6:03**
